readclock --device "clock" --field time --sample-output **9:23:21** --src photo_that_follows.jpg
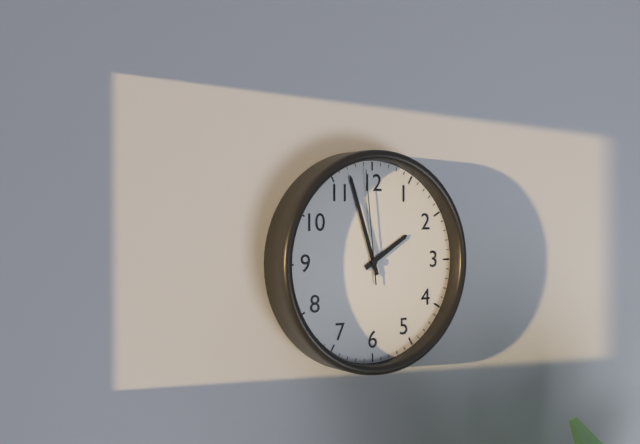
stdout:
**1:57:59**
